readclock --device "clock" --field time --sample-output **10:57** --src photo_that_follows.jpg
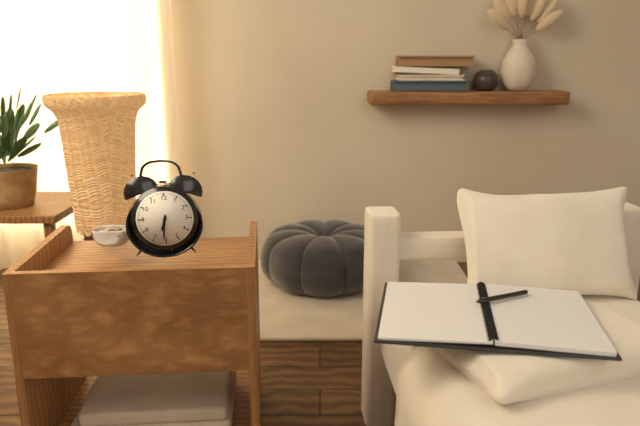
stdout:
**6:31**
